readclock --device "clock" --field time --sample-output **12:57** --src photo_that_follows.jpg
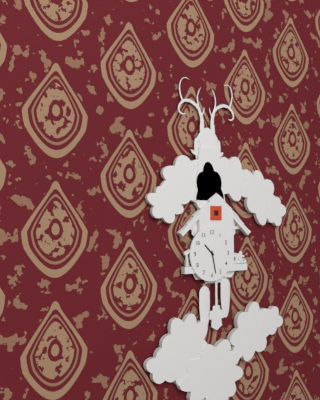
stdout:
**10:28**
